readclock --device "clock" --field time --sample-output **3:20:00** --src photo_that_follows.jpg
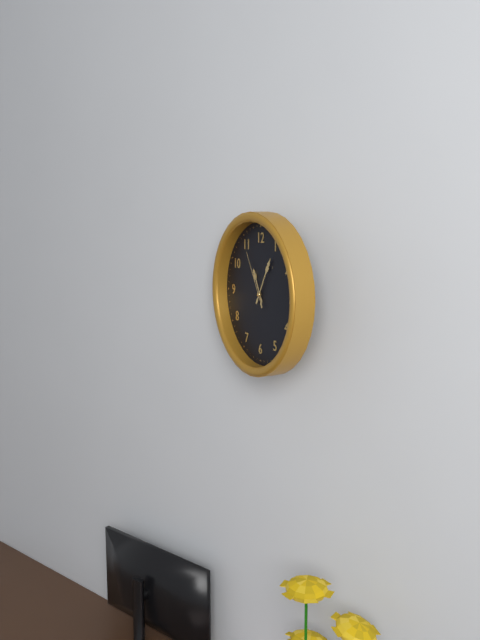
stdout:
**11:05:55**
